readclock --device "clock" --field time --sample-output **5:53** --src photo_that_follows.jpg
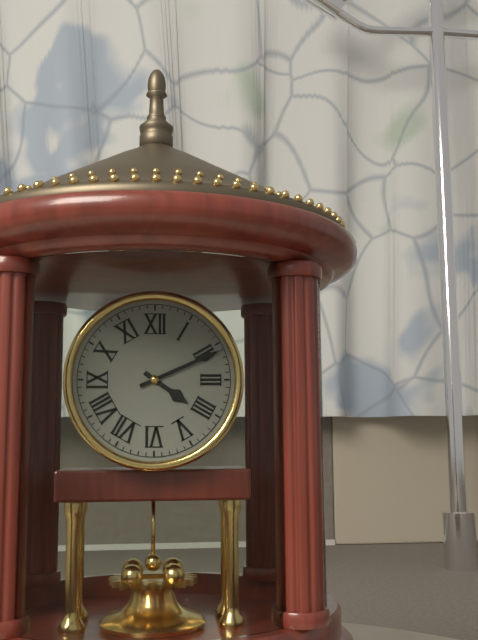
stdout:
**4:11**
